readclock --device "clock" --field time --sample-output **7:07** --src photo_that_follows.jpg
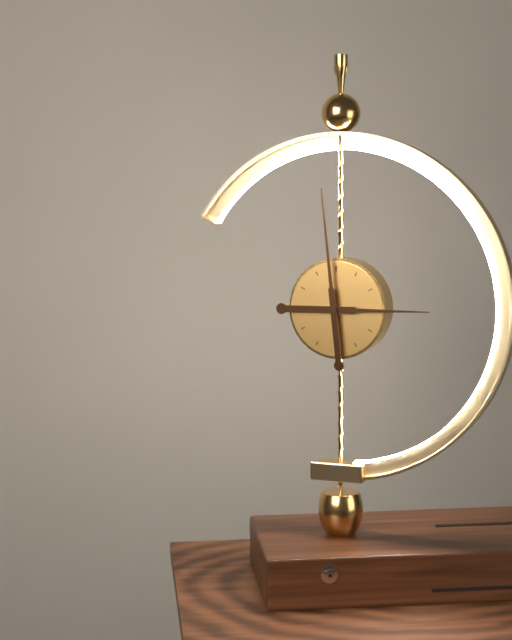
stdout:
**2:59**
